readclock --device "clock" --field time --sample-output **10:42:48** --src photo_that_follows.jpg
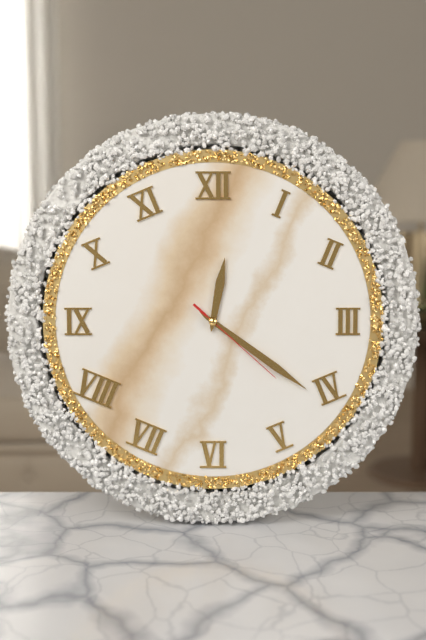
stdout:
**12:21:22**
